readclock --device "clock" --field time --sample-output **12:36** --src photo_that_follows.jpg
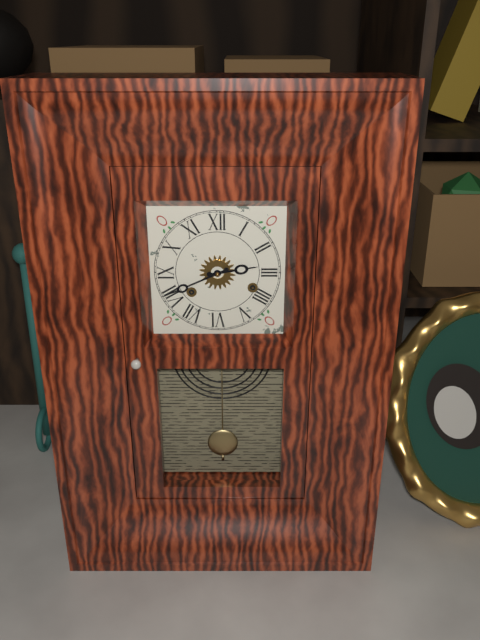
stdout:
**2:41**
